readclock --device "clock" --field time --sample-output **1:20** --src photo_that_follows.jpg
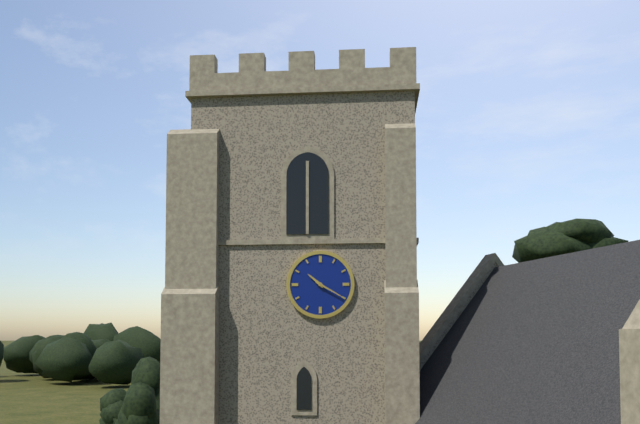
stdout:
**10:20**
